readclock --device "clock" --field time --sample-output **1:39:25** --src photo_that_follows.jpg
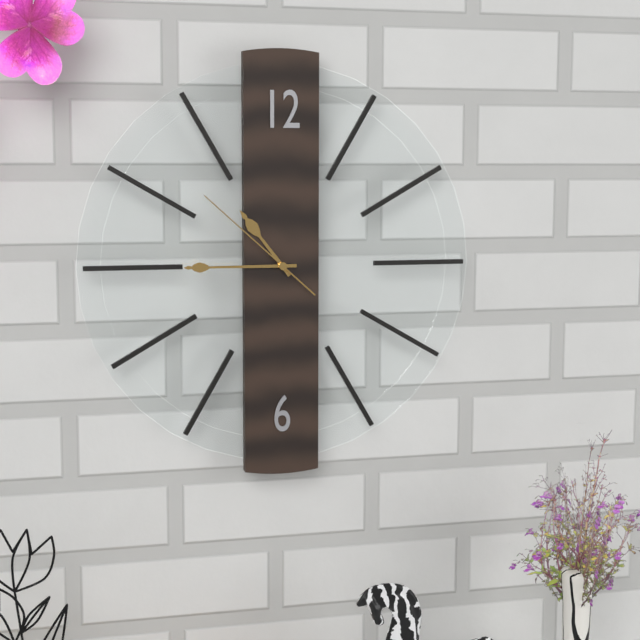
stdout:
**10:45:52**
